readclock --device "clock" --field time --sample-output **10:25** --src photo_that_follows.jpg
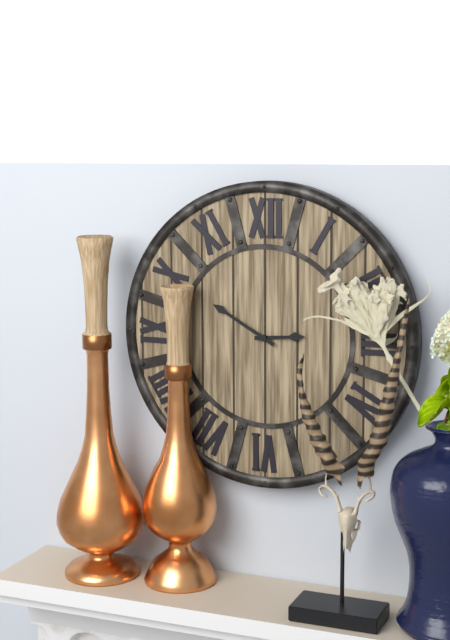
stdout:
**2:50**
